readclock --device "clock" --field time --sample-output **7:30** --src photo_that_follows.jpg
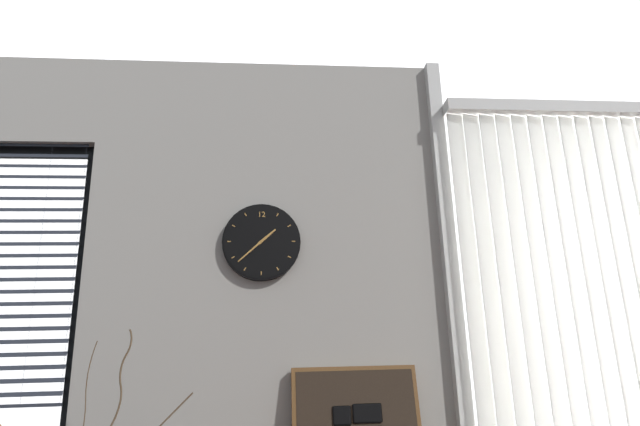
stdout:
**1:38**
